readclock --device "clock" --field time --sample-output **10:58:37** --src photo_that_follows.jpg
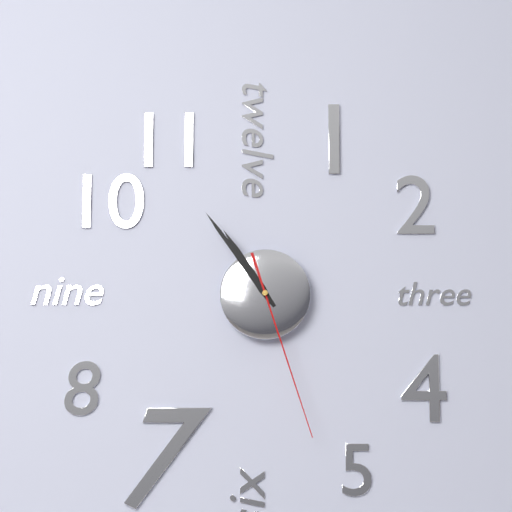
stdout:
**10:54:27**
